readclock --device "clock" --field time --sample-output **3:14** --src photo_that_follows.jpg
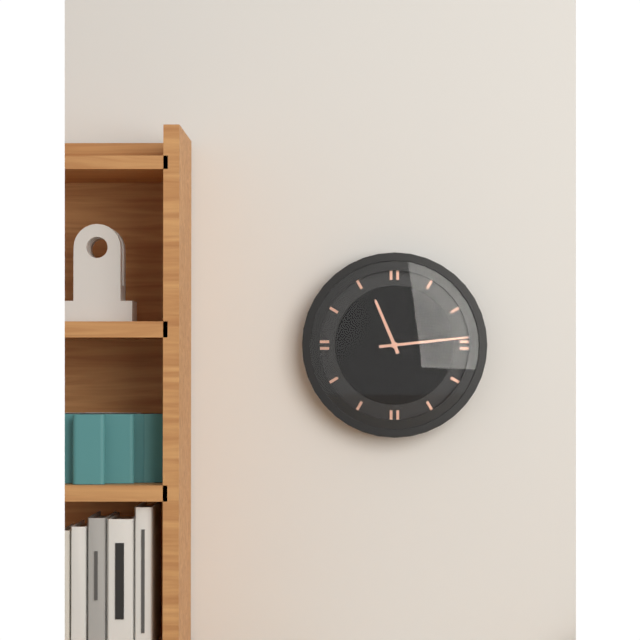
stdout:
**11:14**
